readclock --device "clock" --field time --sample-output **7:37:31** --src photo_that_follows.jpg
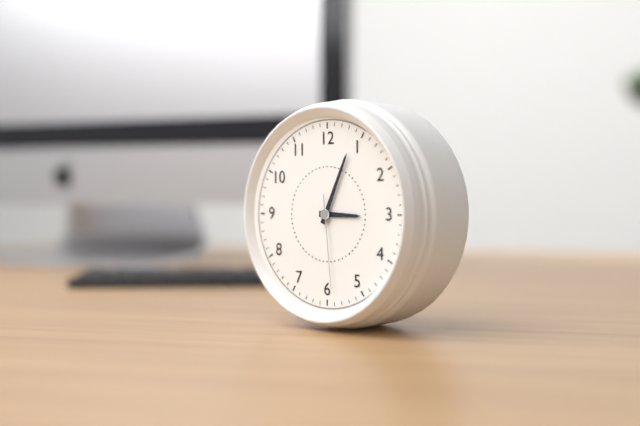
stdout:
**3:04:29**
